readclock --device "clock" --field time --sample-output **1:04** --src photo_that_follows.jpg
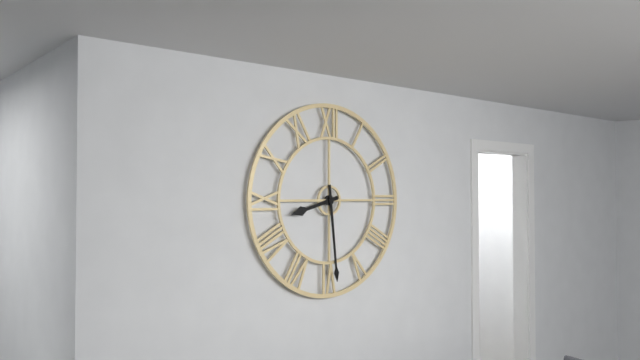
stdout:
**8:29**
